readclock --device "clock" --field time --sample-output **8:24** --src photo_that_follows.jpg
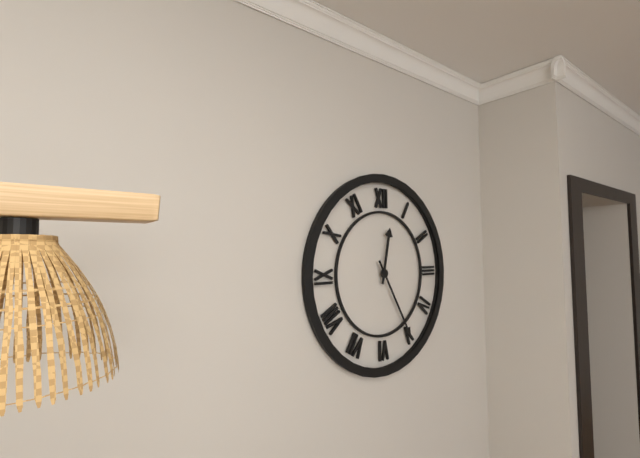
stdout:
**12:25**
